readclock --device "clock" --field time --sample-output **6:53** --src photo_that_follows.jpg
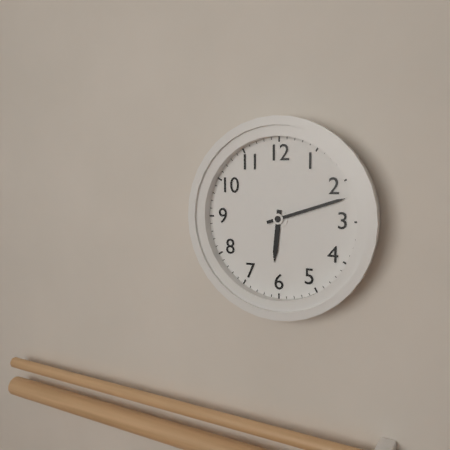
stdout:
**6:12**
